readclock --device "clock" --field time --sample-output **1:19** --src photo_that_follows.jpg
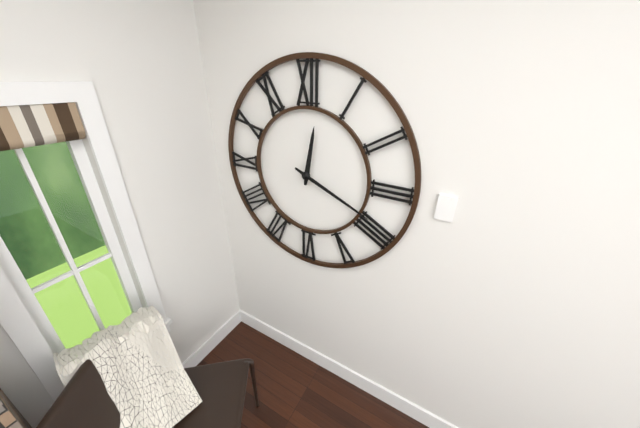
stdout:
**12:19**
